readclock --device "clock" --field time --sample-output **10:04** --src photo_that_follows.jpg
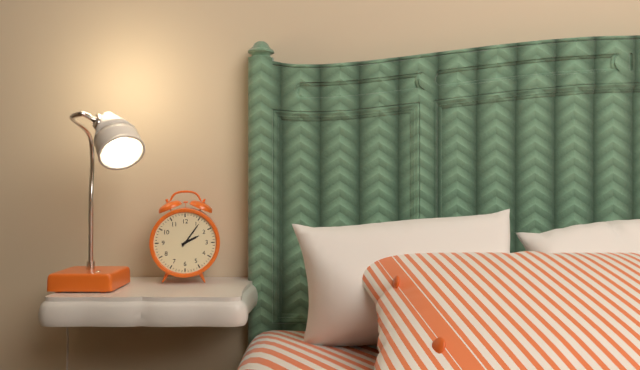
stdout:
**2:06**
